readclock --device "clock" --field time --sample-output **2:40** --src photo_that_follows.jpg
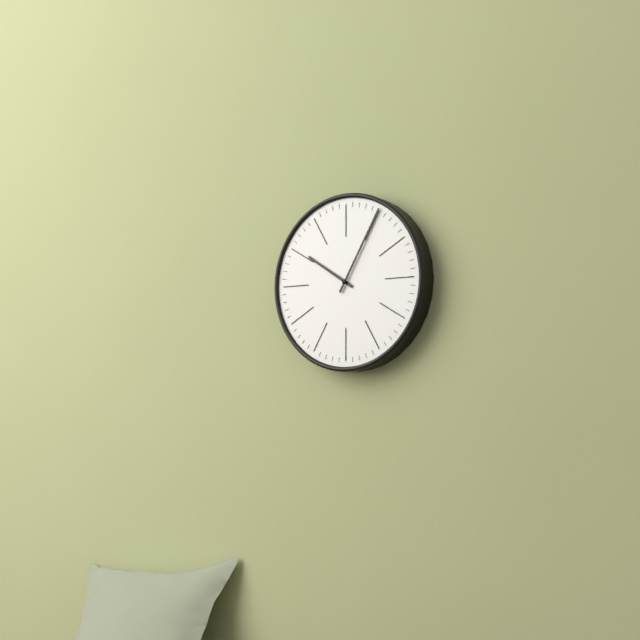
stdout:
**10:05**
